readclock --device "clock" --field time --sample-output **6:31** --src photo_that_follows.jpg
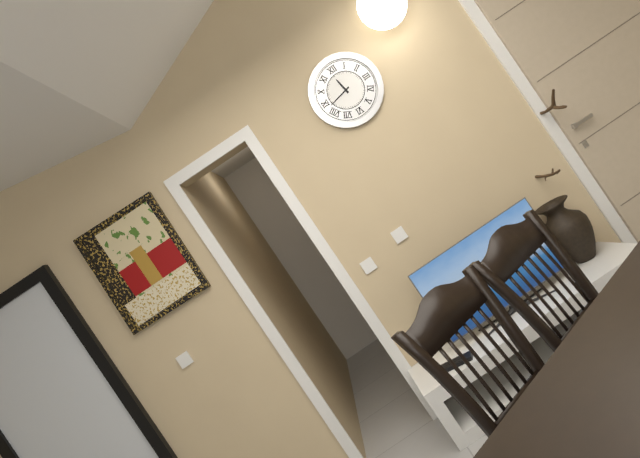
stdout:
**11:43**
